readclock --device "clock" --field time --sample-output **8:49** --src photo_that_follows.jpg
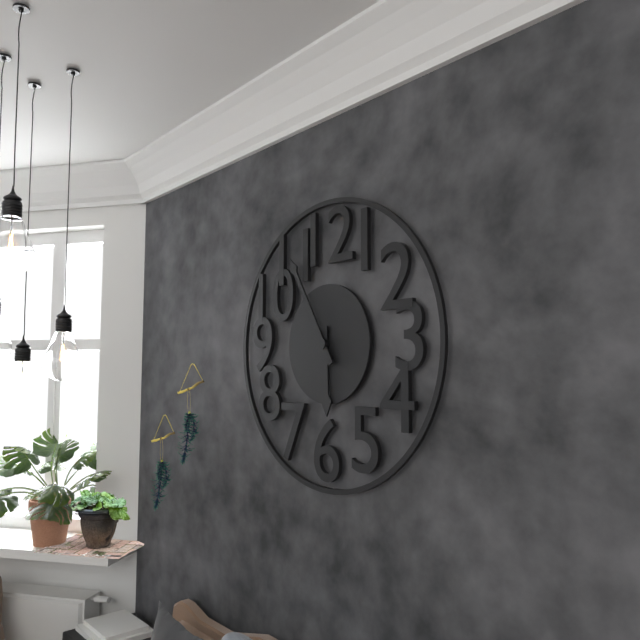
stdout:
**5:55**
